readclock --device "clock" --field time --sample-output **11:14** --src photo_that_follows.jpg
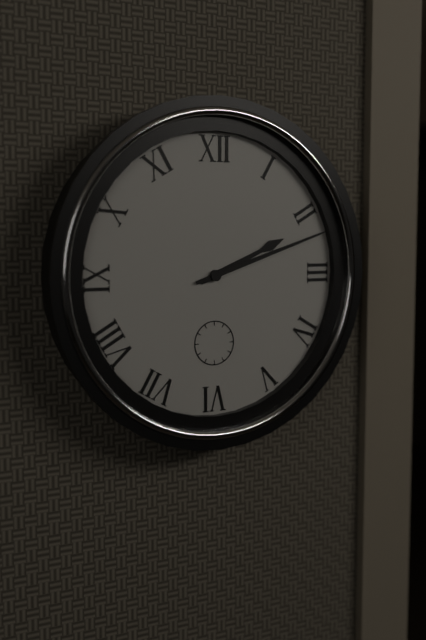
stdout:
**2:12**
